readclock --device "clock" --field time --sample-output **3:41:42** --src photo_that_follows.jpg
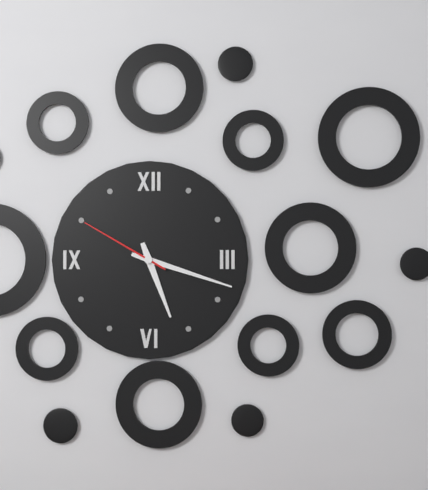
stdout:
**5:18:50**
